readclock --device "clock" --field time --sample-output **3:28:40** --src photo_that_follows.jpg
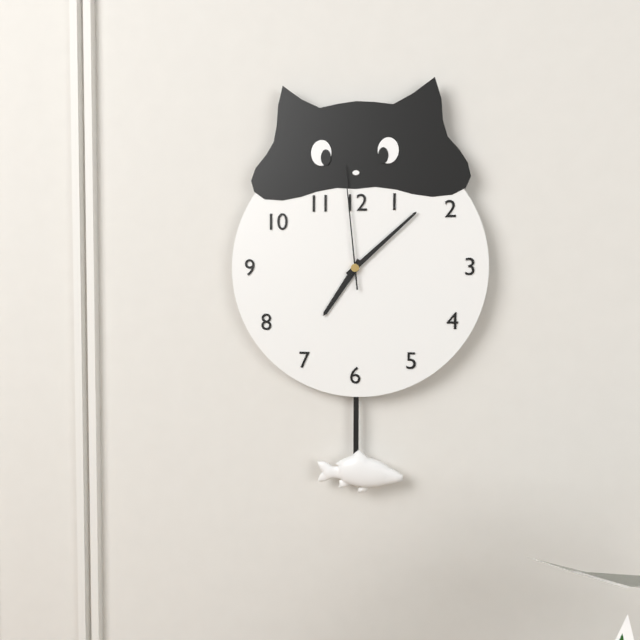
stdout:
**7:08:59**
